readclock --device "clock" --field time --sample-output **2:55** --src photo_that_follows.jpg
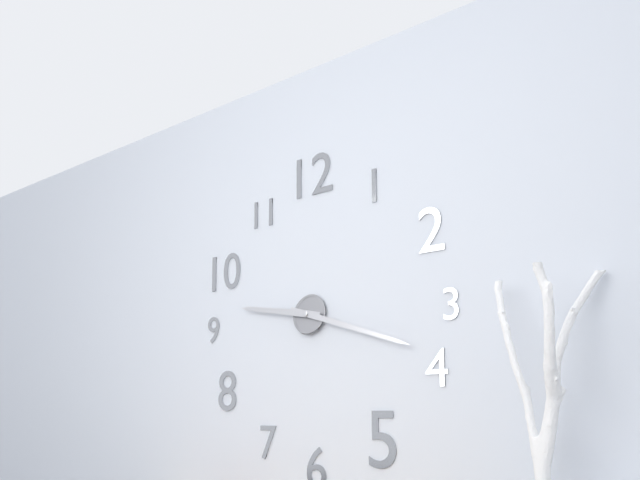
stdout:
**9:18**
